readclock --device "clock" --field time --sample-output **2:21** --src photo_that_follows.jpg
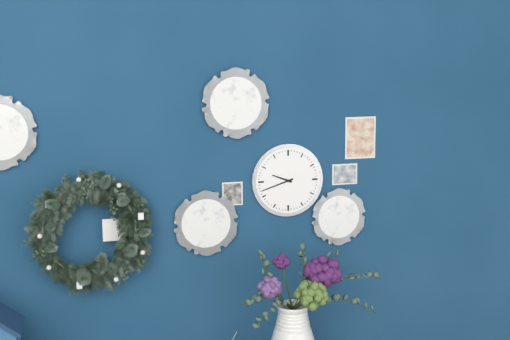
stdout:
**9:42**
